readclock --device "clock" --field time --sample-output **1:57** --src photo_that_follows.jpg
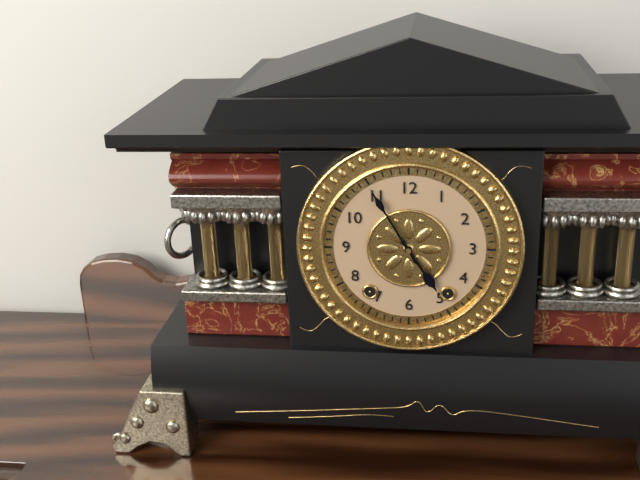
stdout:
**4:55**
